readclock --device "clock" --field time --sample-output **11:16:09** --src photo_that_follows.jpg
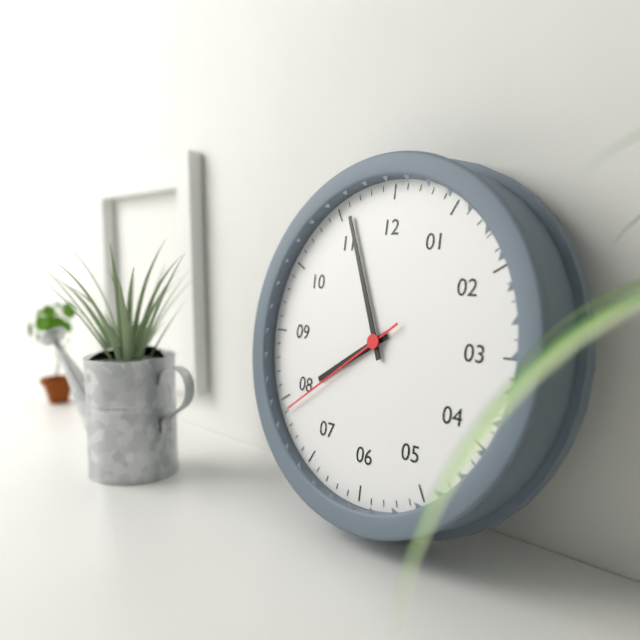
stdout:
**7:56:39**
